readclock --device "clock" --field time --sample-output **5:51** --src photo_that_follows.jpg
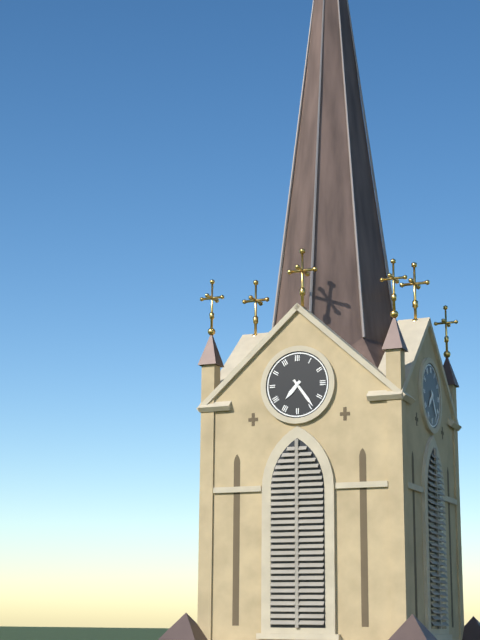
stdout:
**7:24**
